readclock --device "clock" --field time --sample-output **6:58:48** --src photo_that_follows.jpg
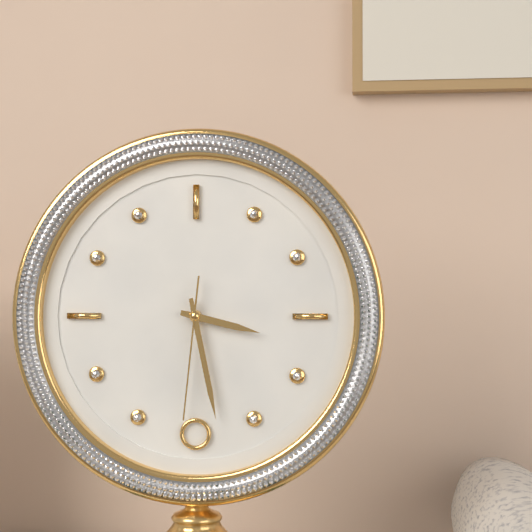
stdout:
**3:28:31**
